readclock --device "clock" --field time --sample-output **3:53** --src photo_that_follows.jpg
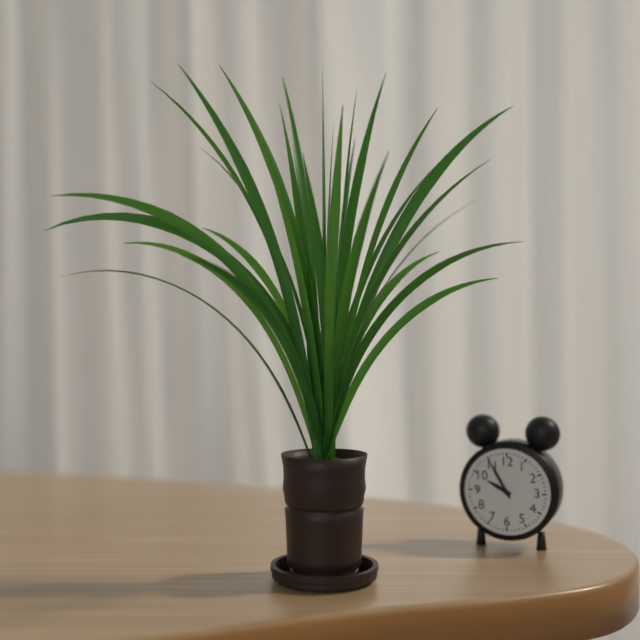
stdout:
**9:55**
